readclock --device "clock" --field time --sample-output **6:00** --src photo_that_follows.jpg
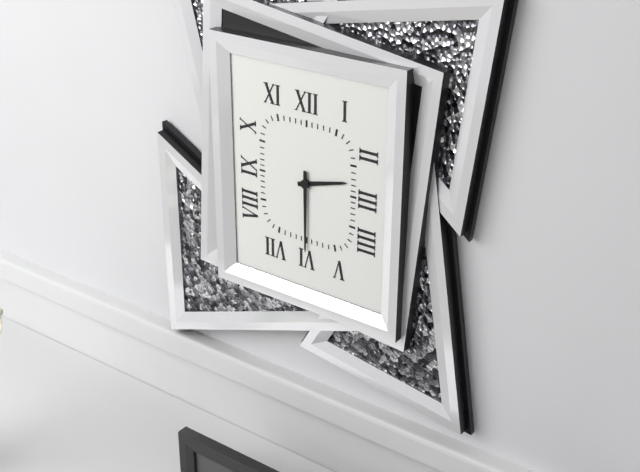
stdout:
**2:30**
